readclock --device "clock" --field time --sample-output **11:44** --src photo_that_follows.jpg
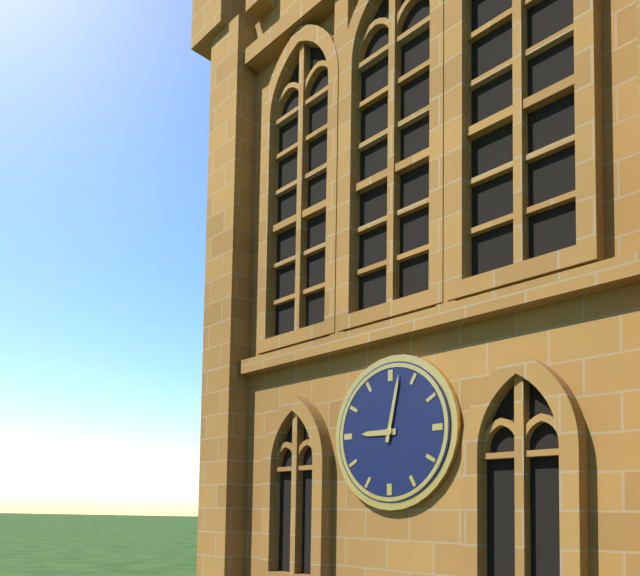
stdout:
**9:02**
